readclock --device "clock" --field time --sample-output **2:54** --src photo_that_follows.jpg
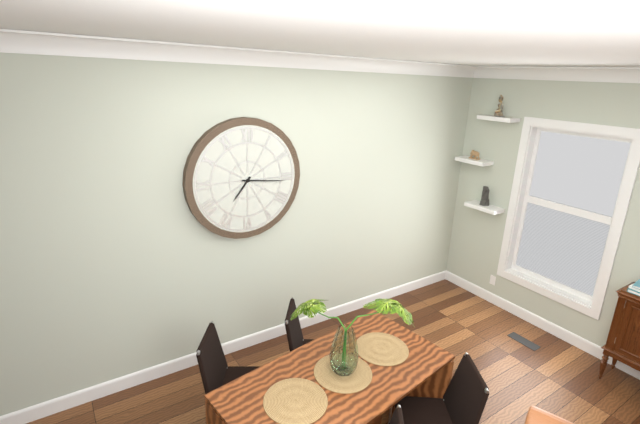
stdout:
**7:16**
